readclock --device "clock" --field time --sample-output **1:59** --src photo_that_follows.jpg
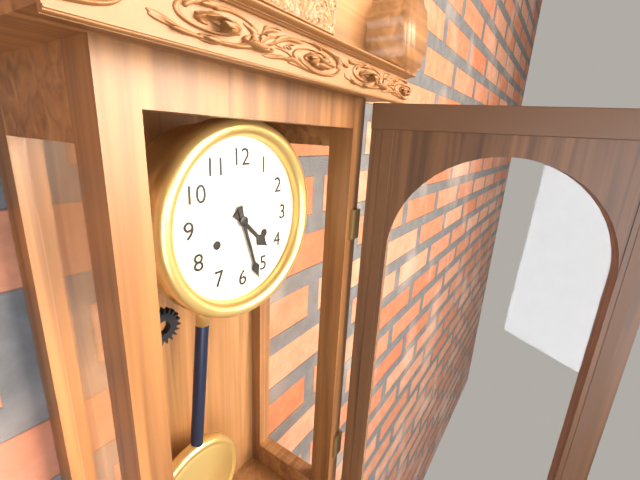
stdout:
**4:27**
